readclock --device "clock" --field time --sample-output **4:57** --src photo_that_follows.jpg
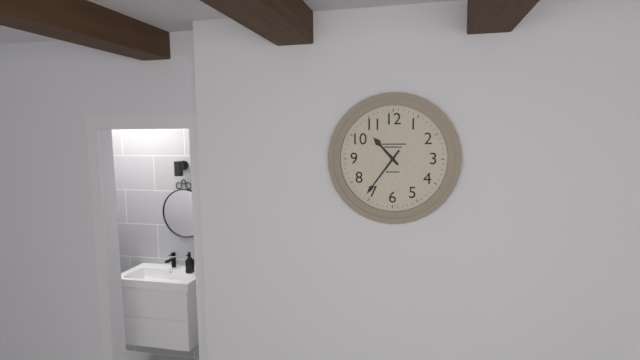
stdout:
**10:36**
